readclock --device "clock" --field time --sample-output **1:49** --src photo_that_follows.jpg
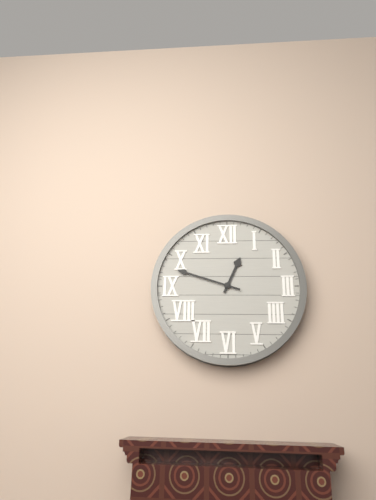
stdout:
**12:48**
